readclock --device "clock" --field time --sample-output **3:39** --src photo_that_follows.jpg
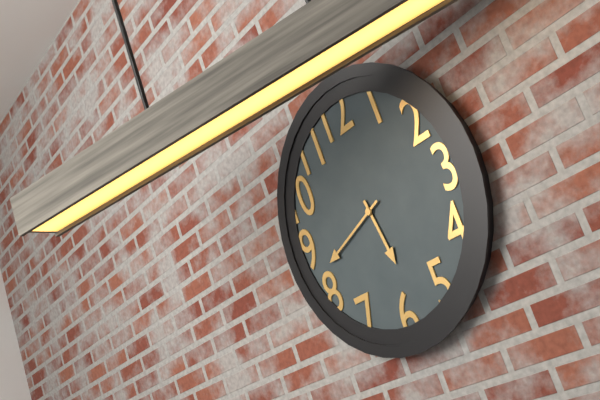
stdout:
**5:42**
